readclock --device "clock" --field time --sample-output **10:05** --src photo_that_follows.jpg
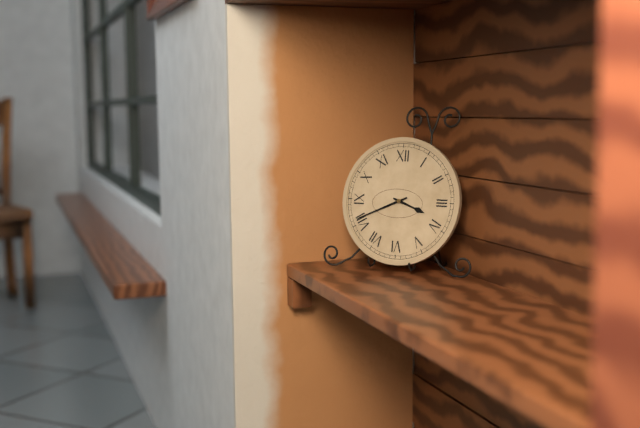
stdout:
**3:41**
